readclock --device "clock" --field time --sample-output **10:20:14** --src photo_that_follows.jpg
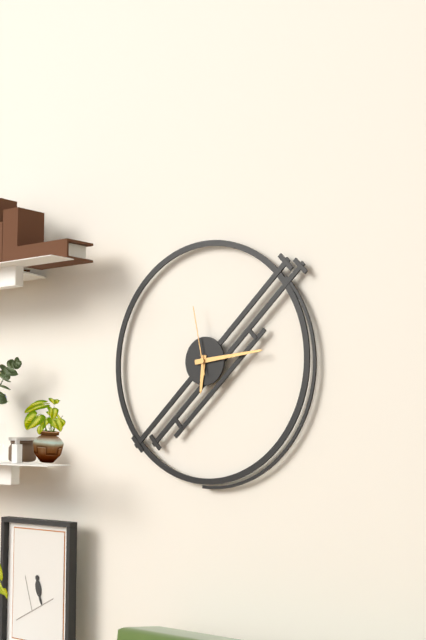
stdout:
**6:14:58**
